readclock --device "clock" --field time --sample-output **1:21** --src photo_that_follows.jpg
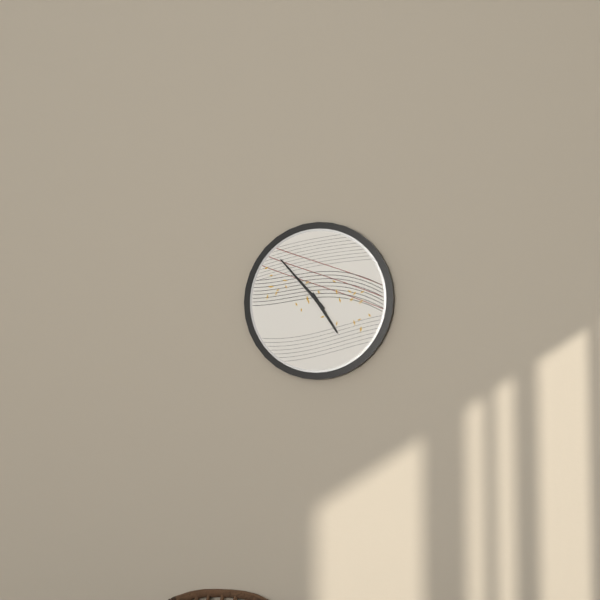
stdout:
**4:53**
